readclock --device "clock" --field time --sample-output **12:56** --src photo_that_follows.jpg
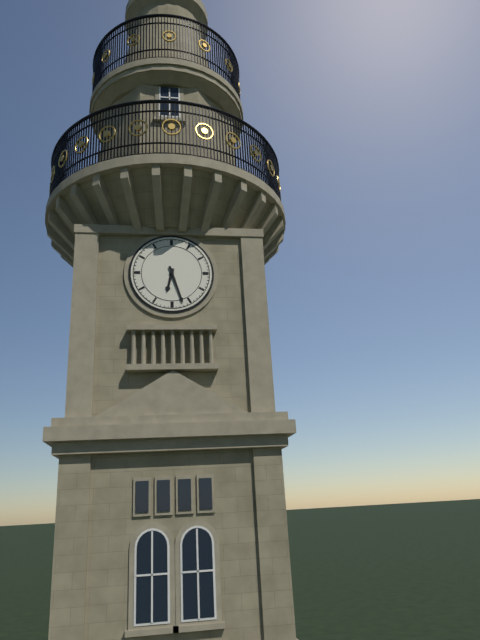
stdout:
**6:27**
